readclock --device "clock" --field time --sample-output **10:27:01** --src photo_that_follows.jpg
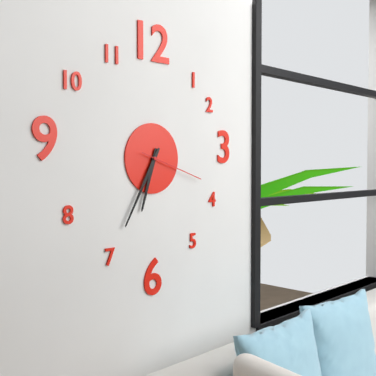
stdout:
**6:35:18**
